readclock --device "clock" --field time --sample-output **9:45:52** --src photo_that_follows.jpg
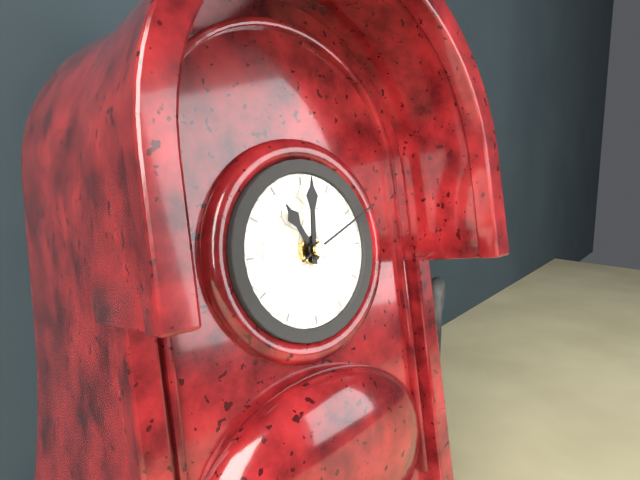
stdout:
**11:01:11**
